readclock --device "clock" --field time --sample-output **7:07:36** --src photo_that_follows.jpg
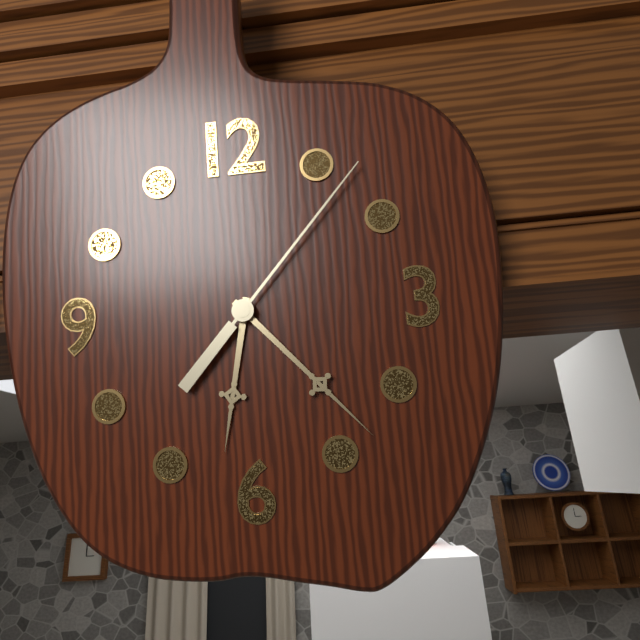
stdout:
**6:23:07**
